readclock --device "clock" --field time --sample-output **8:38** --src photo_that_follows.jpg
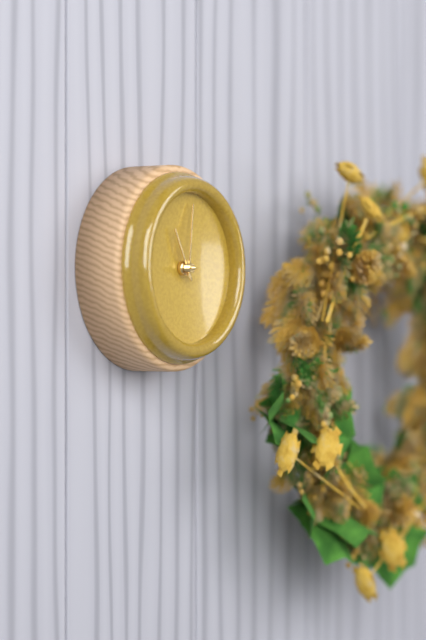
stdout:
**11:01**
